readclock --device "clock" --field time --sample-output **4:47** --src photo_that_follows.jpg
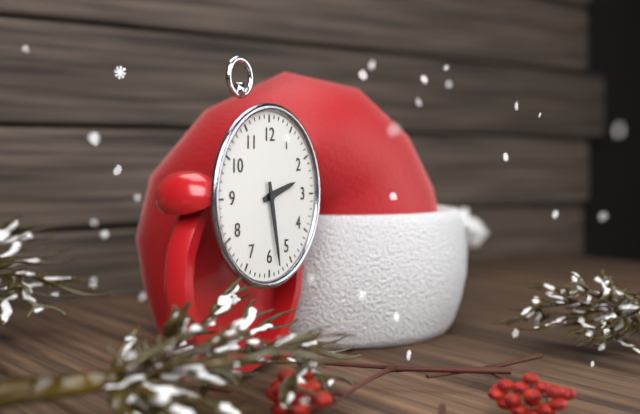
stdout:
**2:28**
